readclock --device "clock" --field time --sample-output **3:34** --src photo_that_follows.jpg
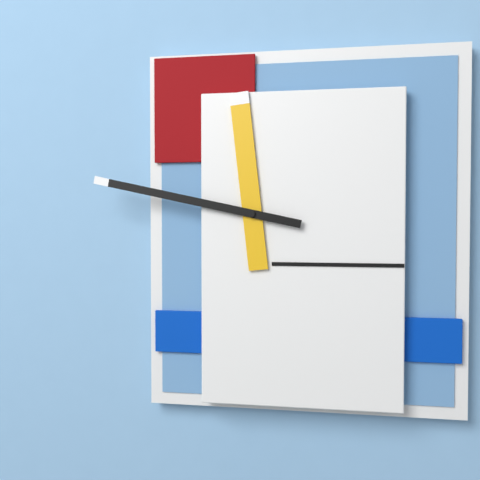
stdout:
**11:47**
